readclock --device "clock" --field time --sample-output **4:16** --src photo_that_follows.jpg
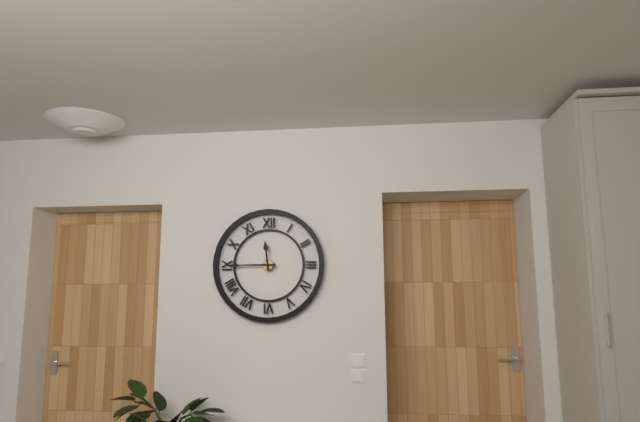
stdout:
**11:45**
